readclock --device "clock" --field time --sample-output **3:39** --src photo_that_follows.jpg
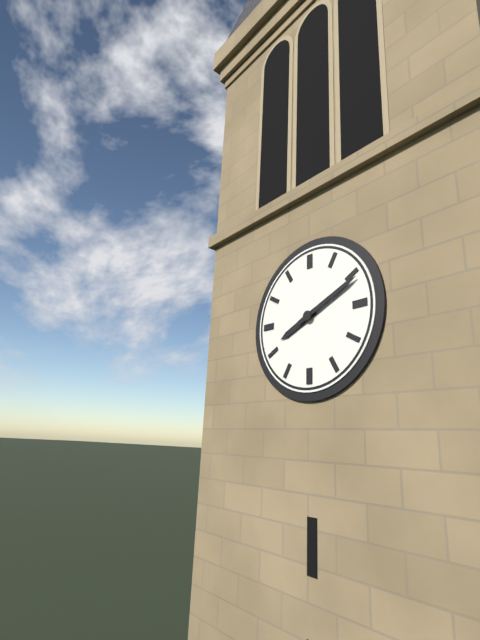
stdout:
**8:11**
